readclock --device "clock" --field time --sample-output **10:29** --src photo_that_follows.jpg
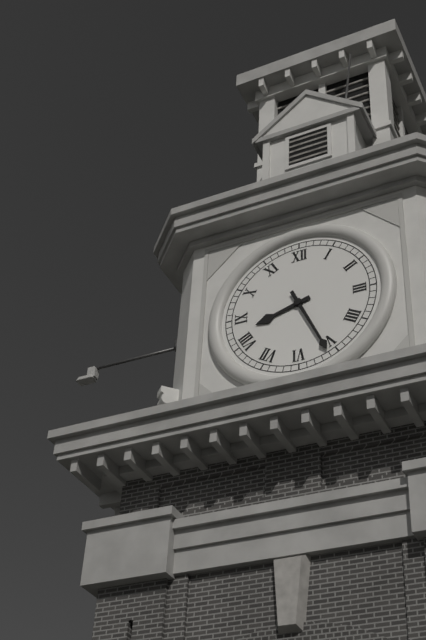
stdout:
**8:26**
